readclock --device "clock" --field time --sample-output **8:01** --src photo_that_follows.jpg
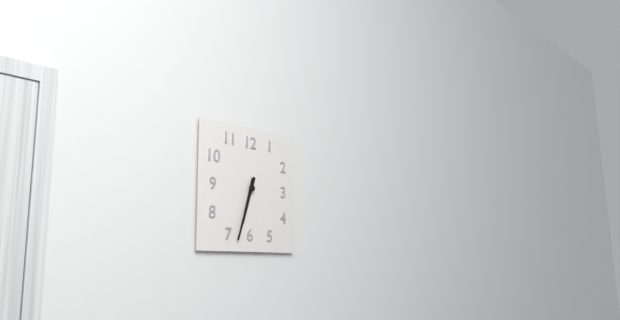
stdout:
**6:33**
